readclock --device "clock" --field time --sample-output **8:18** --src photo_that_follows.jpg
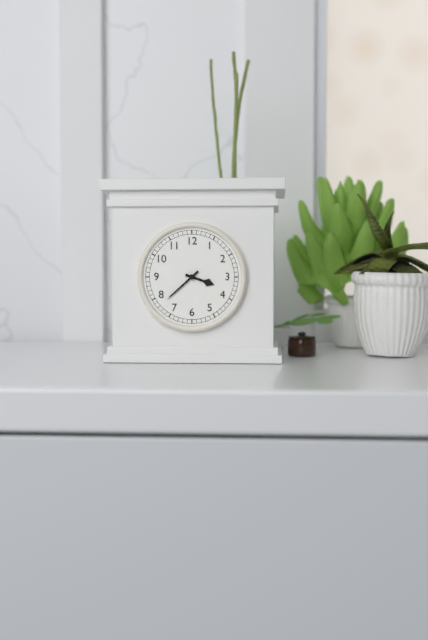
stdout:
**3:38**
